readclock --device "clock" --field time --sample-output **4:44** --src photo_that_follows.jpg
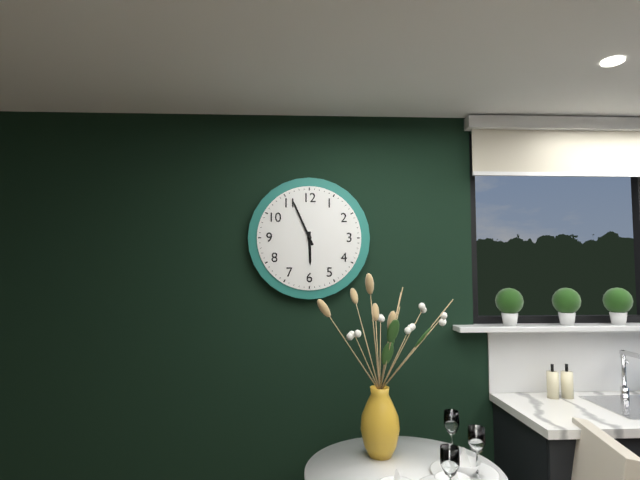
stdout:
**5:56**
